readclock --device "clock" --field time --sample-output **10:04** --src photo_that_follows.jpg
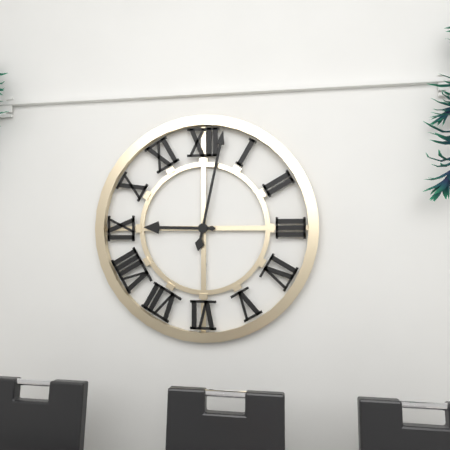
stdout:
**9:02**
